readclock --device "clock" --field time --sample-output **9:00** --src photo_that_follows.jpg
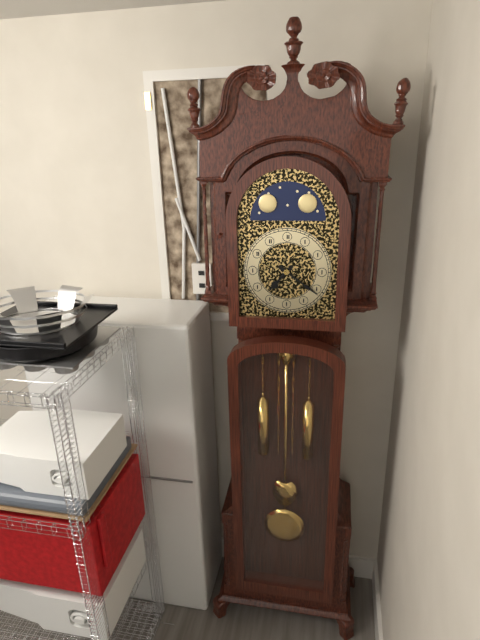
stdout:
**7:21**
